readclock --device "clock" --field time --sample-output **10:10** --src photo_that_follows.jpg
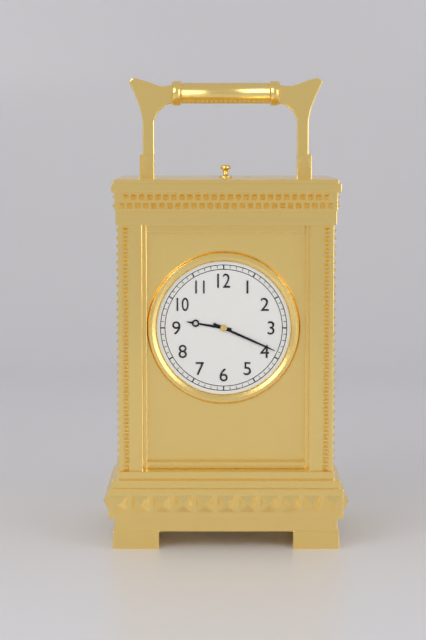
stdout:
**9:19**
